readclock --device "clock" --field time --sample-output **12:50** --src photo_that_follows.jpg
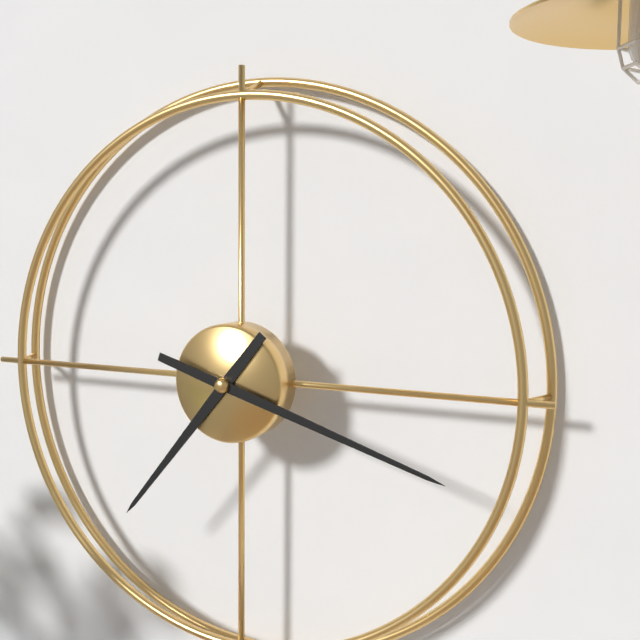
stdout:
**7:18**
